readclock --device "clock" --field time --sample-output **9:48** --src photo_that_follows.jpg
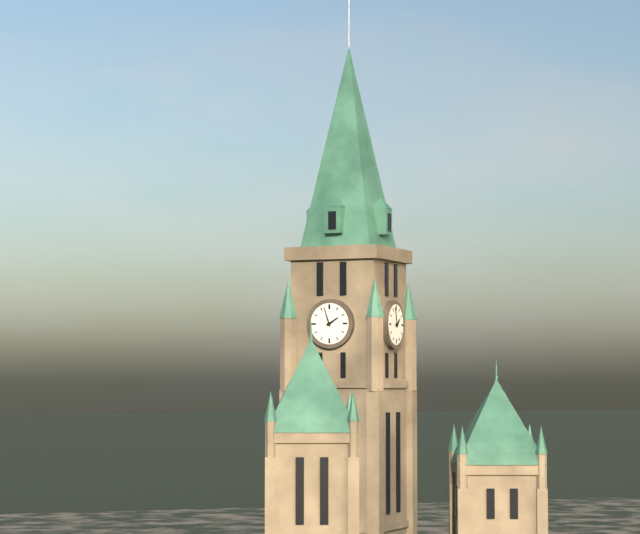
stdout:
**1:57**
